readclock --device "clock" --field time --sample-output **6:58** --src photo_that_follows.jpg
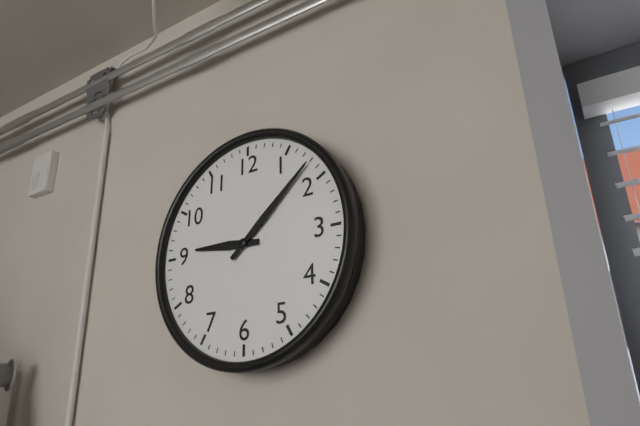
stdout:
**9:08**
